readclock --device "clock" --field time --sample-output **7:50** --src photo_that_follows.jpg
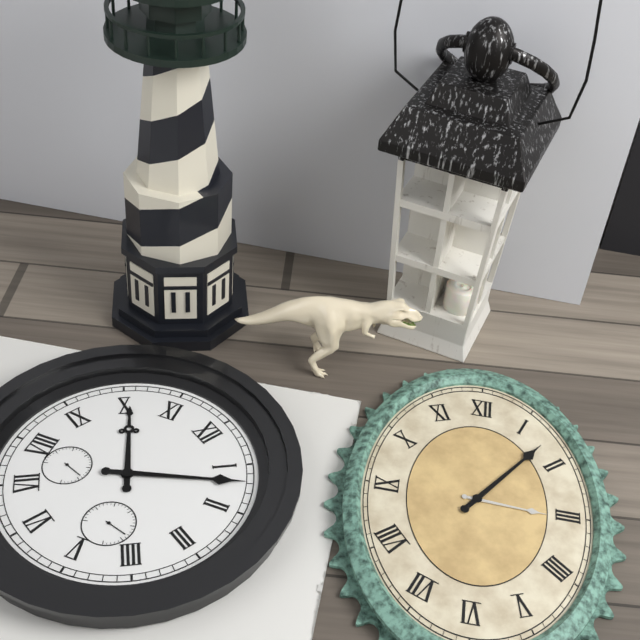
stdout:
**10:07**
